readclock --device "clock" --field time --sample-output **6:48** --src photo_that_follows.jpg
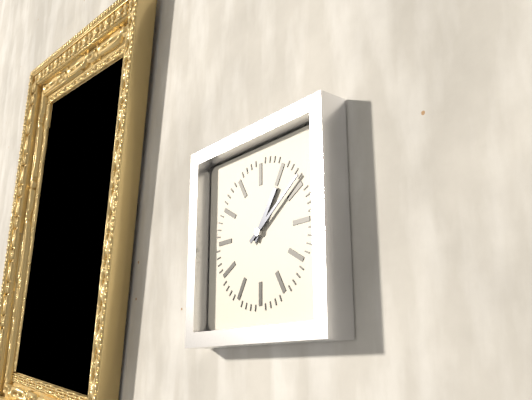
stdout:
**1:09**
